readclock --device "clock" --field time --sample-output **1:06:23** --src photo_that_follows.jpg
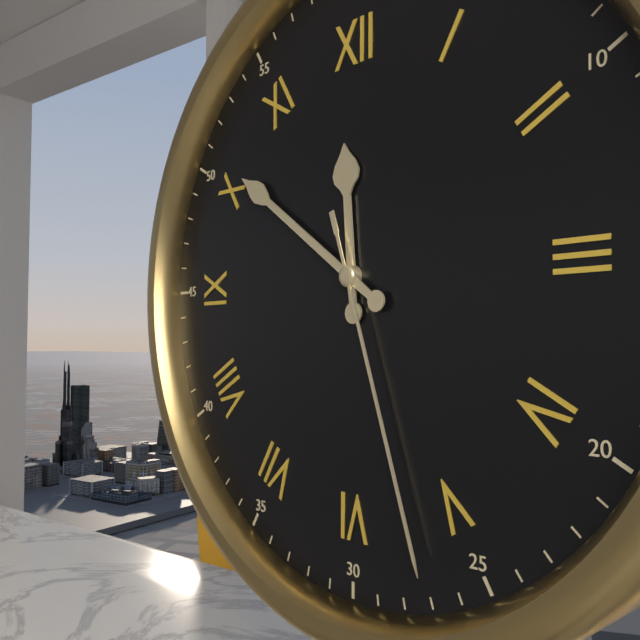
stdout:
**11:51:27**
